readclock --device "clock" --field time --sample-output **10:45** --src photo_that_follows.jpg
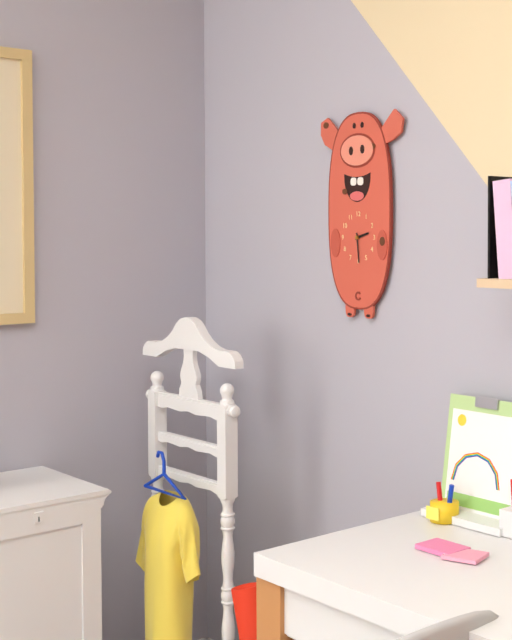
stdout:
**2:29**
